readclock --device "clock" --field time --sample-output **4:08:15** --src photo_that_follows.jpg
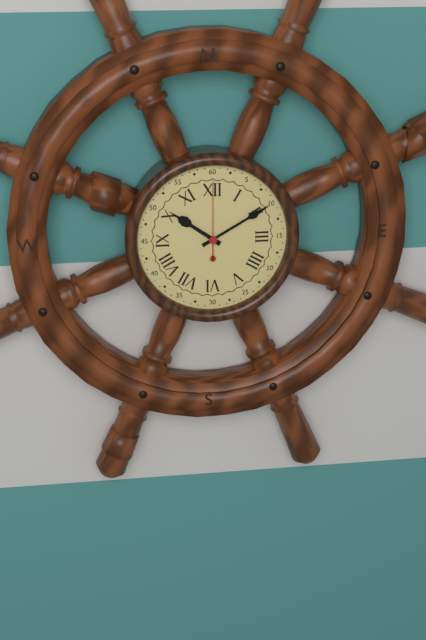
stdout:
**10:10:00**
